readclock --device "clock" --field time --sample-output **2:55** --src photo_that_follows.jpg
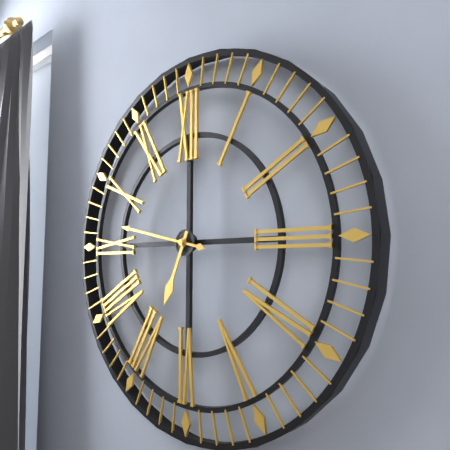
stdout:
**6:47**
